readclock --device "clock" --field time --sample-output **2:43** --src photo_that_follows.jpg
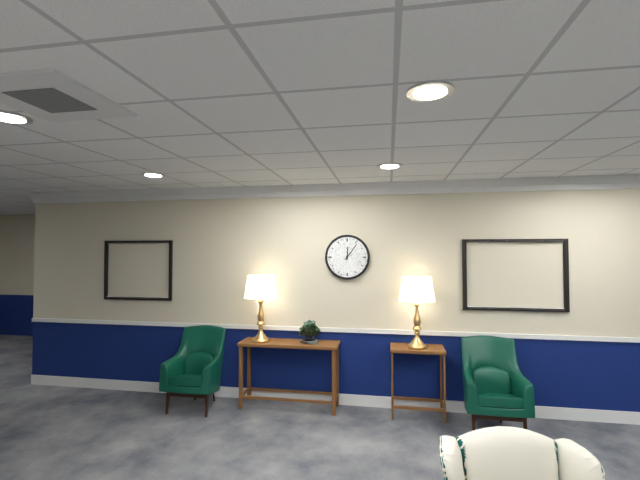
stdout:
**12:06**
